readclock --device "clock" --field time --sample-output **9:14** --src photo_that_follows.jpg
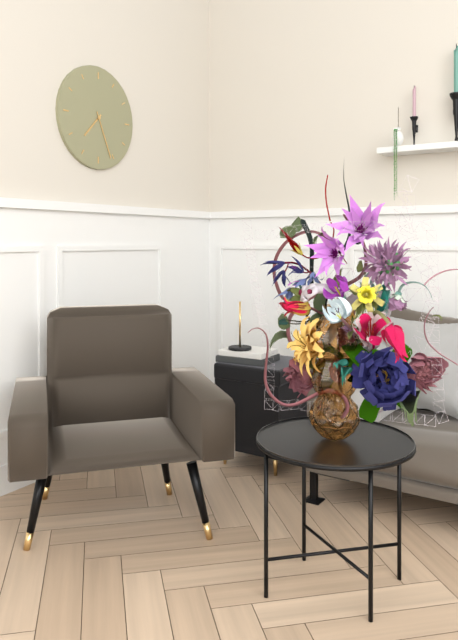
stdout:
**7:26**
